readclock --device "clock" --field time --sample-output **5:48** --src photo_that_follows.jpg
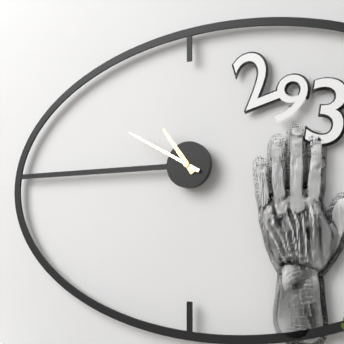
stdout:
**10:50**
